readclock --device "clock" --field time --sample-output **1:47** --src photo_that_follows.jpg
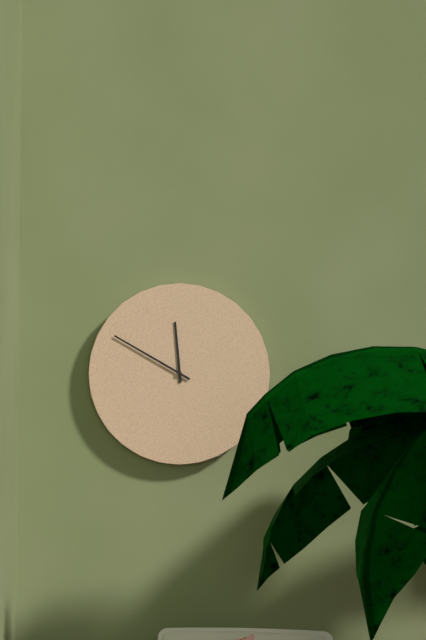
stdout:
**11:50**
